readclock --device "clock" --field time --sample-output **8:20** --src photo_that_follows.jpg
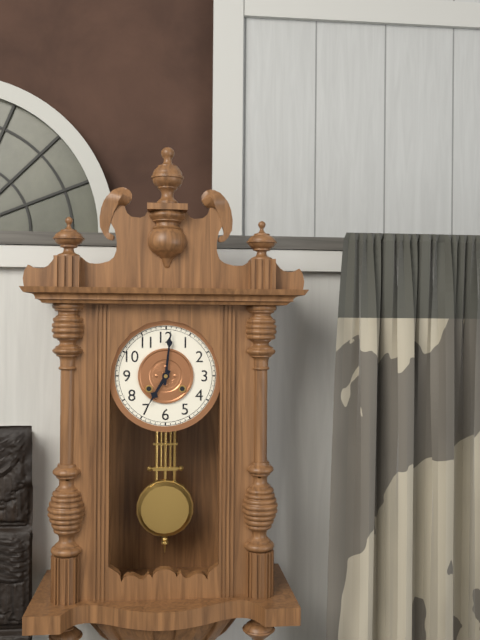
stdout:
**7:01**
